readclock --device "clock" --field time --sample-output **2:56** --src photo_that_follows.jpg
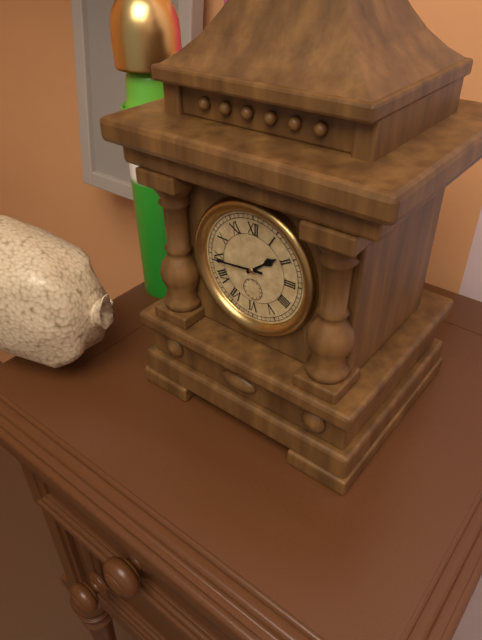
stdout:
**1:44**
